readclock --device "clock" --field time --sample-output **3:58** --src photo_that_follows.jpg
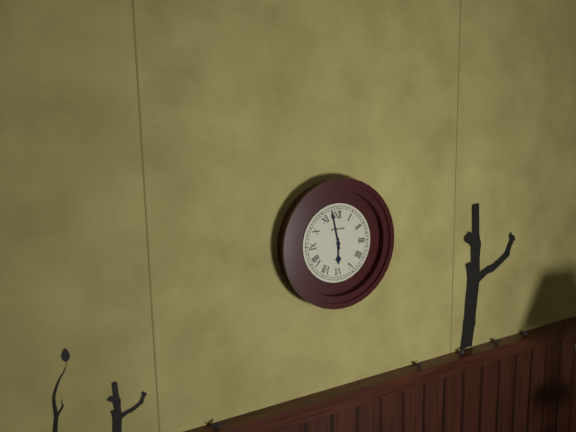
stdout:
**5:58**
